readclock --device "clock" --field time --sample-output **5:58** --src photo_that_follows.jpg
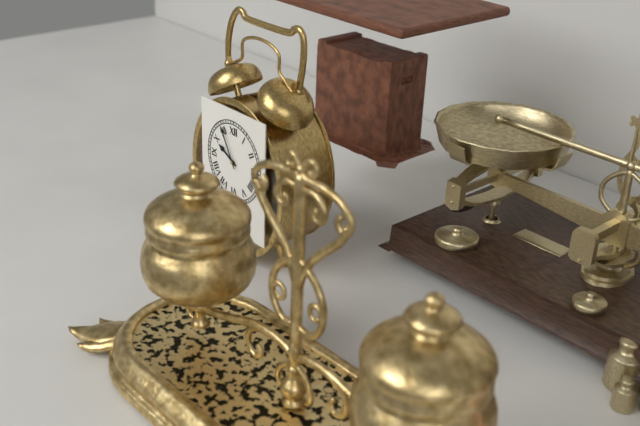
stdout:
**9:55**
